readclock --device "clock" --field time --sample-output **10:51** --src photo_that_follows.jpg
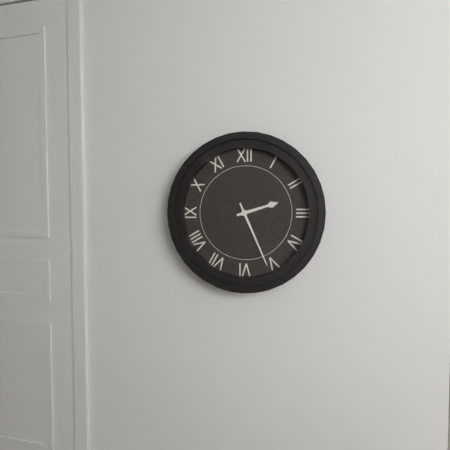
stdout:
**2:26**
